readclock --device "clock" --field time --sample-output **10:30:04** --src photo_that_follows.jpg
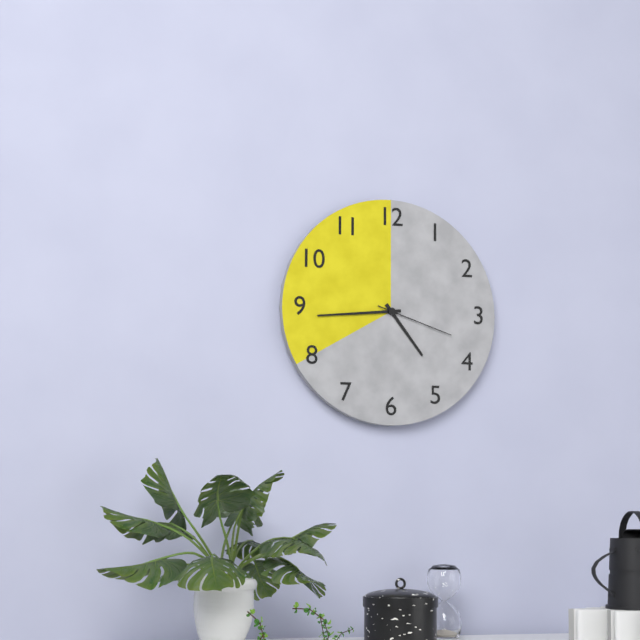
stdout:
**4:44:18**
